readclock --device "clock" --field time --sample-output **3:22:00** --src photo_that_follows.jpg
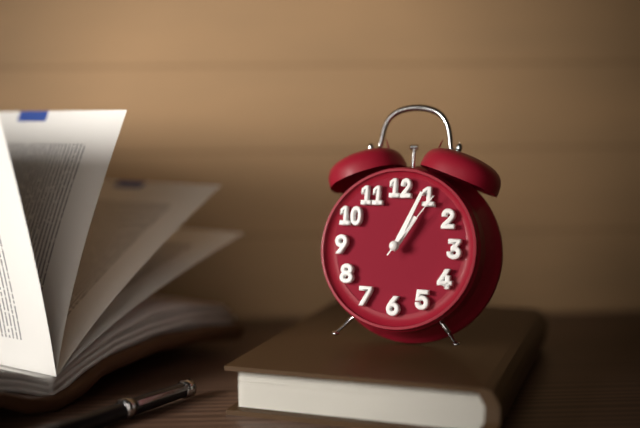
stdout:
**1:04:06**
